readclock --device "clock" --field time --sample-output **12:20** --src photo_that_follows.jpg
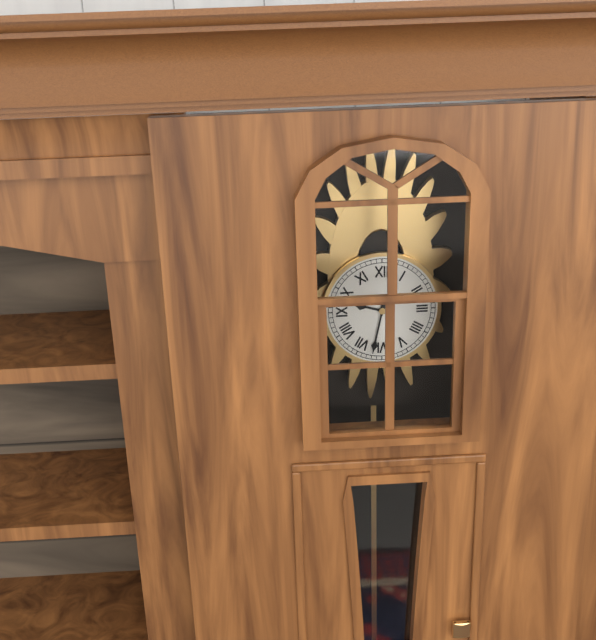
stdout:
**9:32**
